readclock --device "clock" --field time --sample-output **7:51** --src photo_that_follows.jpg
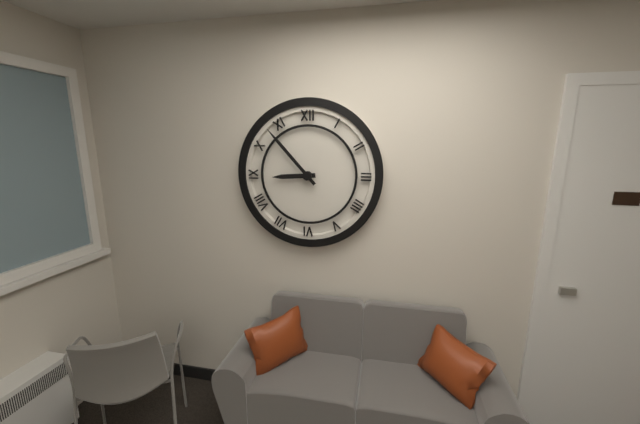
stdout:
**8:53**
